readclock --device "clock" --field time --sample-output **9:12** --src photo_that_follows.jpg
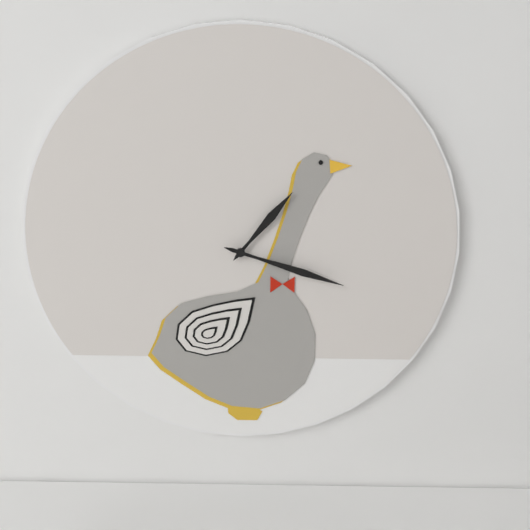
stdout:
**1:18**
